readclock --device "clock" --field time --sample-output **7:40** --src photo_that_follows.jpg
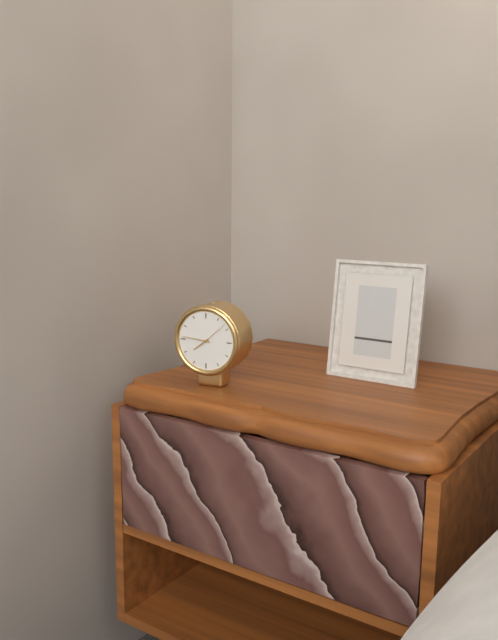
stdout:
**7:46**
